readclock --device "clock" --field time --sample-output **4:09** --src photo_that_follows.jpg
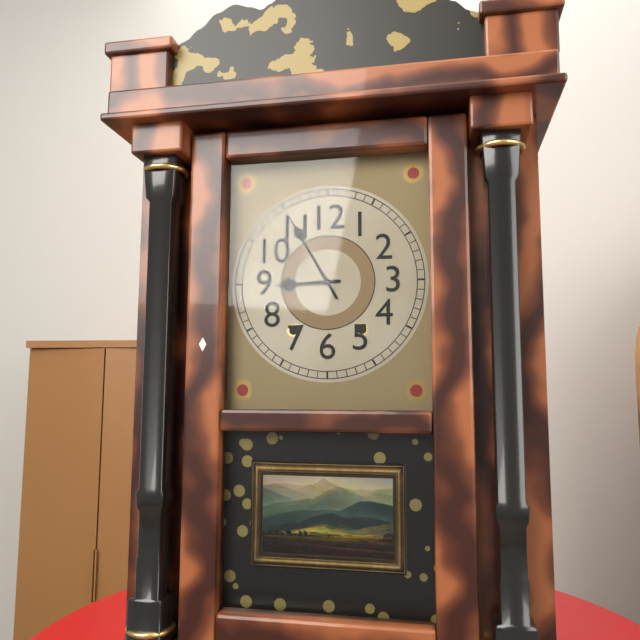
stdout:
**8:55**
